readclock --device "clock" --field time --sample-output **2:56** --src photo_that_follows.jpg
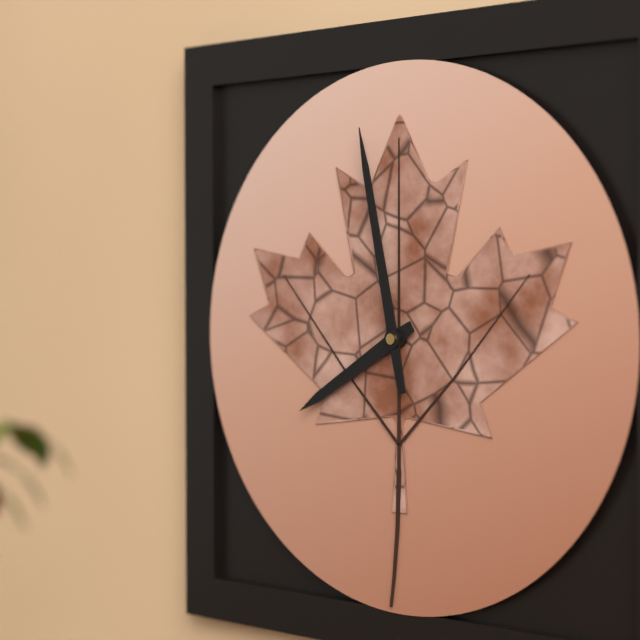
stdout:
**7:58**
